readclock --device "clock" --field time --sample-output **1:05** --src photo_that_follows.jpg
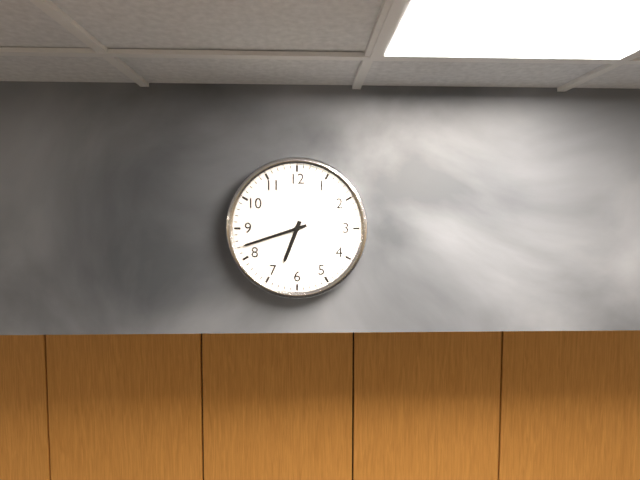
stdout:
**6:42**
